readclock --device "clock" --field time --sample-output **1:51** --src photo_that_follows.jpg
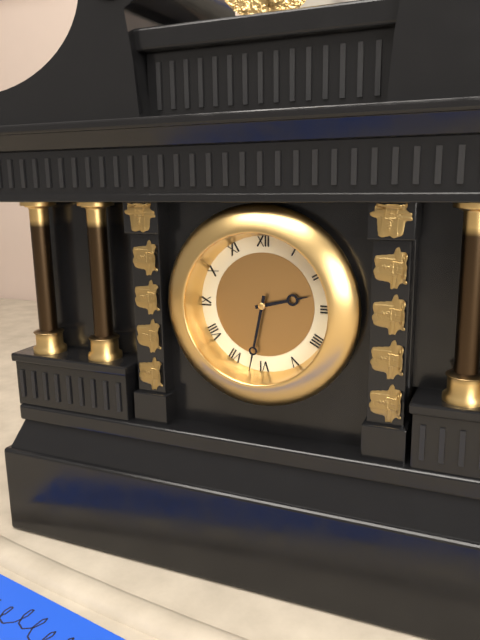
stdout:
**2:32**
